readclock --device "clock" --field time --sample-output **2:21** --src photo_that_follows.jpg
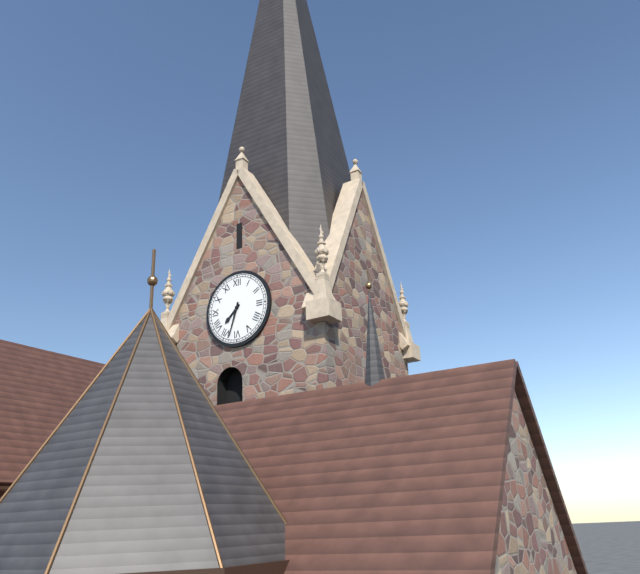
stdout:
**7:33**
